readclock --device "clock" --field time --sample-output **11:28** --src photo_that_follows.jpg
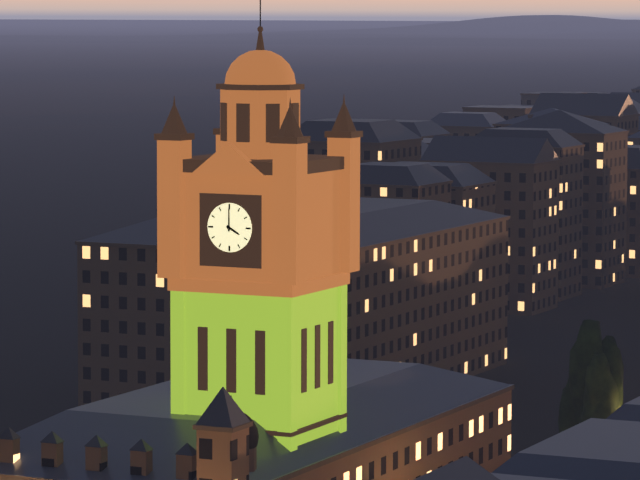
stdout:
**4:00**
